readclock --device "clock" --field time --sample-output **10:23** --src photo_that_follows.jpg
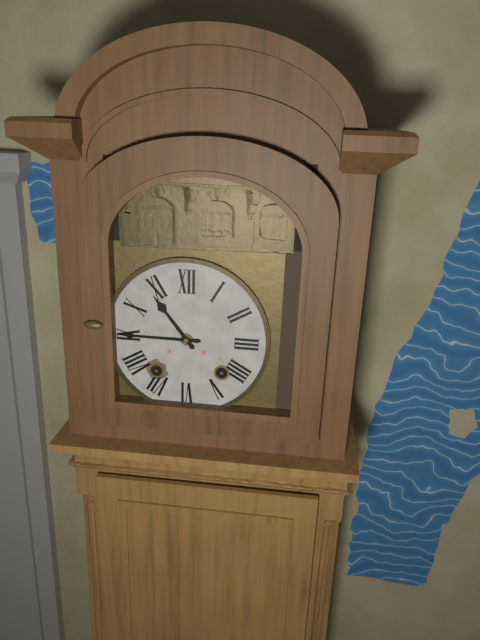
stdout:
**10:45**
